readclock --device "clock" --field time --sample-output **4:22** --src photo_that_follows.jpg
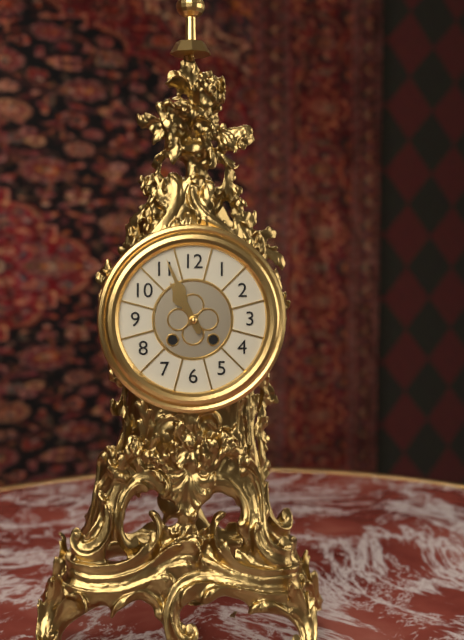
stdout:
**10:56**
